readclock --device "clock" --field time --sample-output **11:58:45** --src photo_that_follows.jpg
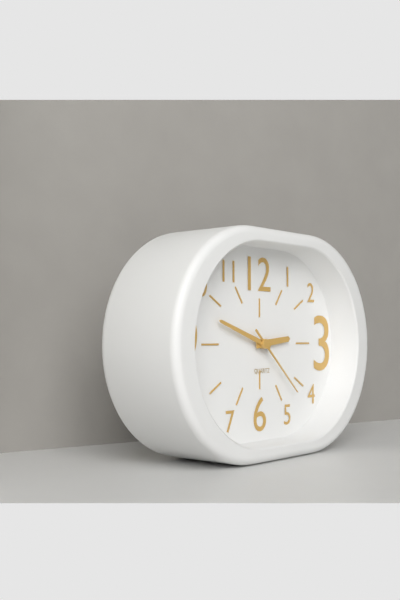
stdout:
**2:48:22**
